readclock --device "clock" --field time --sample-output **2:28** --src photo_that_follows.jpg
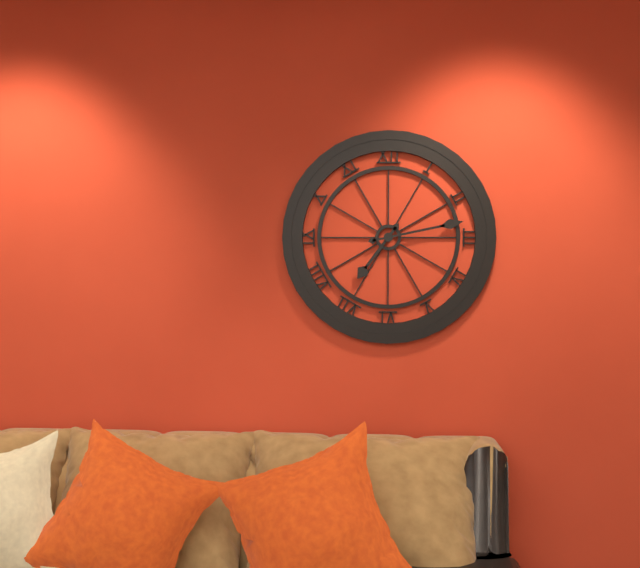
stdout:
**7:13**
